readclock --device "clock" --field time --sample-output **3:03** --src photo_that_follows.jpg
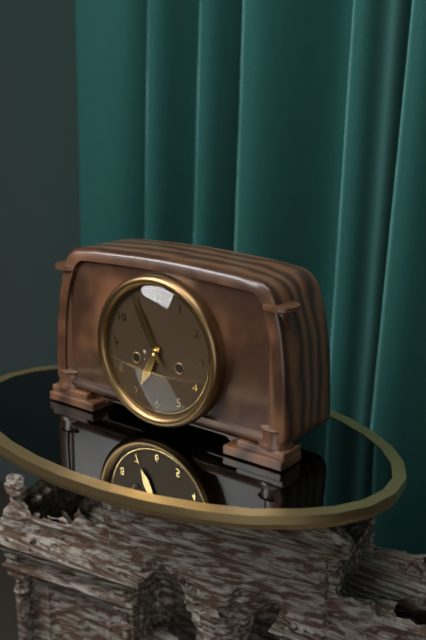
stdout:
**6:55**
